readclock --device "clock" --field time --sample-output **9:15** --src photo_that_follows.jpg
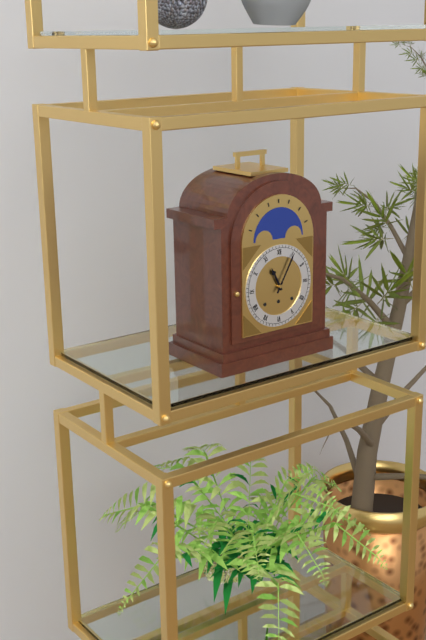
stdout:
**11:05**
